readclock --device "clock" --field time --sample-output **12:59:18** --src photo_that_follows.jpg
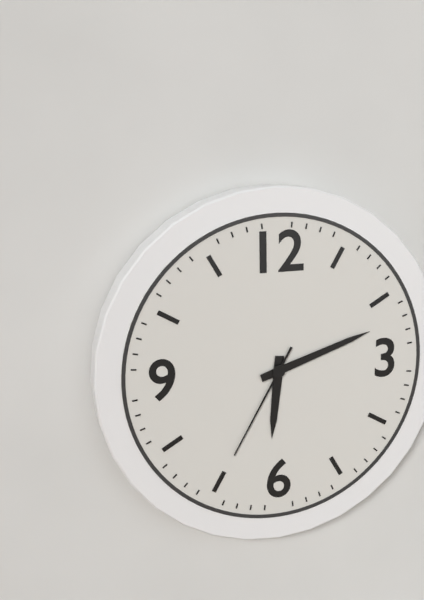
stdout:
**6:12:35**
